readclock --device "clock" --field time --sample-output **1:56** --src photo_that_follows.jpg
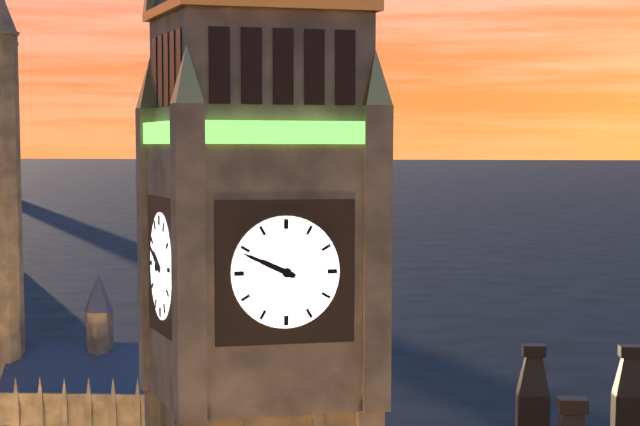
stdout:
**9:49**
